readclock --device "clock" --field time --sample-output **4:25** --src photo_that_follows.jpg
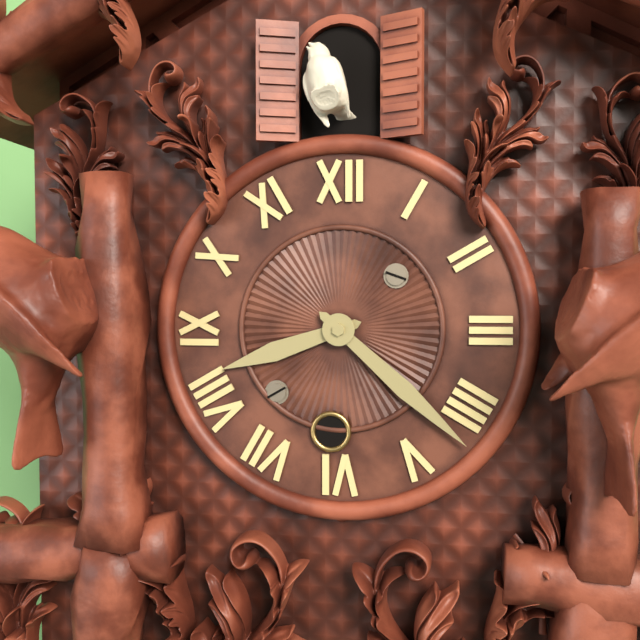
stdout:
**8:22**
